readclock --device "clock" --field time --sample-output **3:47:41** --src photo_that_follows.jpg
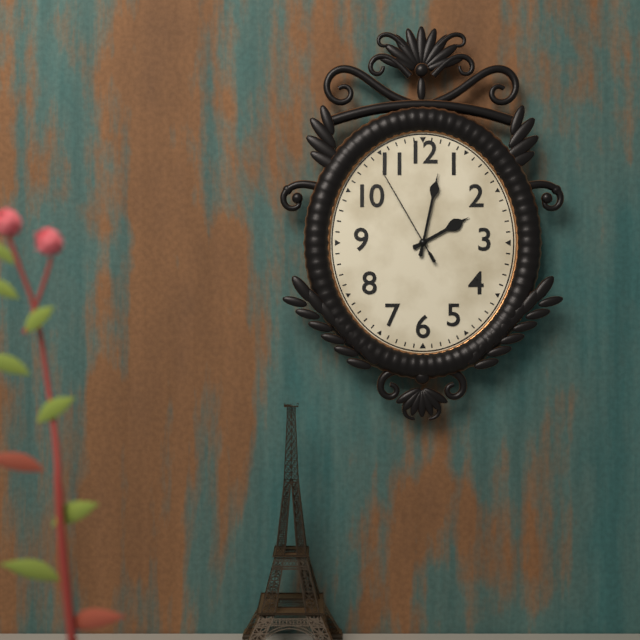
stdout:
**2:02:55**
